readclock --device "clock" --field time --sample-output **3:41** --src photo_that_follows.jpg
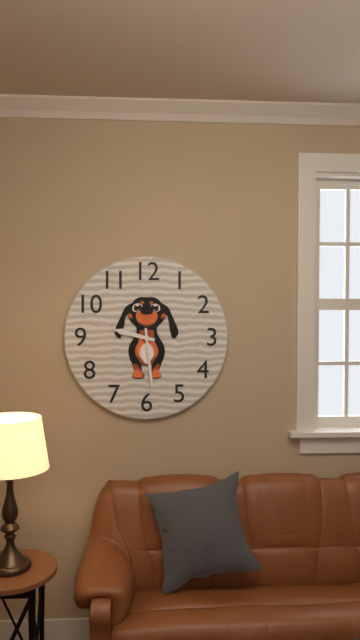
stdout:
**9:29**
